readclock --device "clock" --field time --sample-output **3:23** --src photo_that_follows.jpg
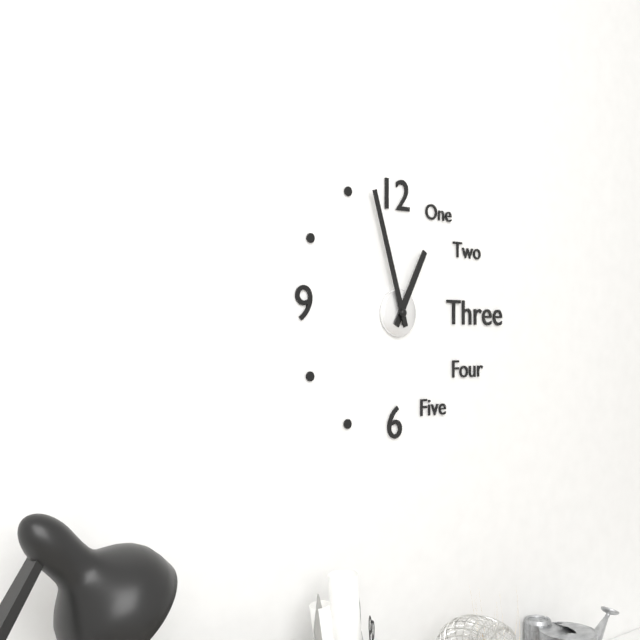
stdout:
**12:57**
